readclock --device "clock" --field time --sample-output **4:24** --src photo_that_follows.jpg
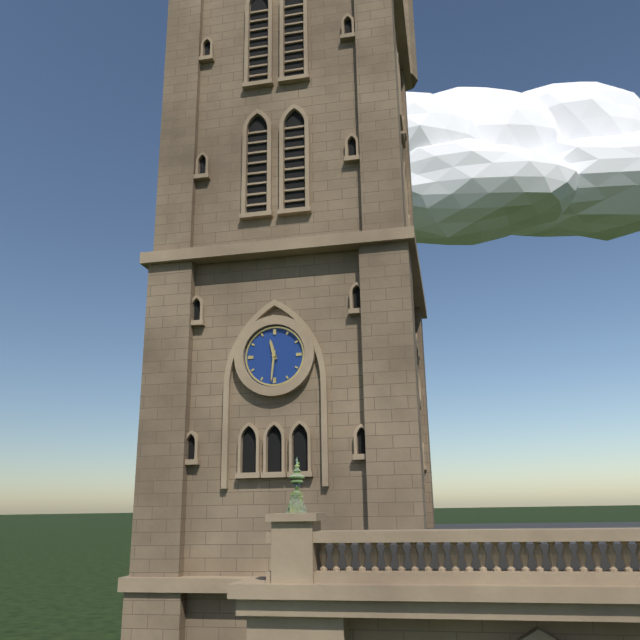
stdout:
**11:31**
